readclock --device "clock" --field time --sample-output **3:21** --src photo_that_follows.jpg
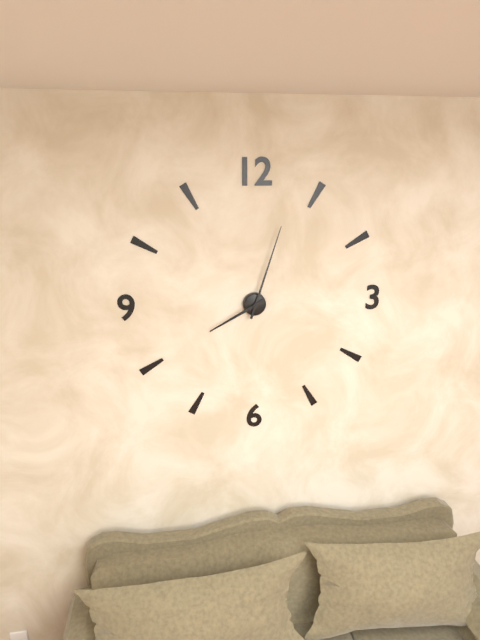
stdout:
**8:03**
